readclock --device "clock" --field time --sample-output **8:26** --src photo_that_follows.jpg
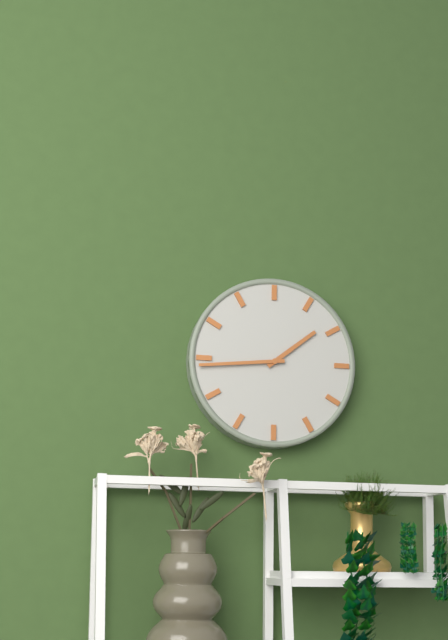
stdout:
**1:44**
